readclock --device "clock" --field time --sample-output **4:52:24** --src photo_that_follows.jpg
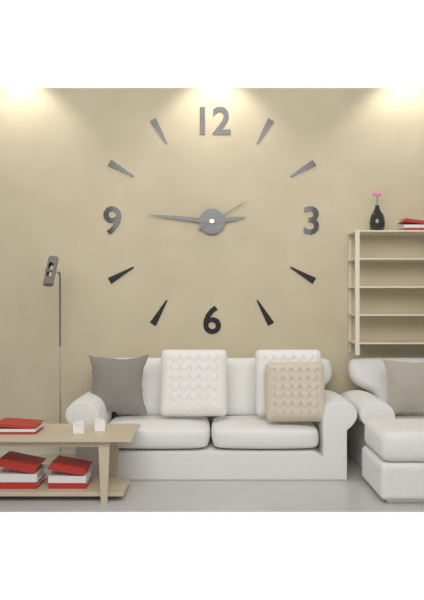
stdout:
**2:46:10**
